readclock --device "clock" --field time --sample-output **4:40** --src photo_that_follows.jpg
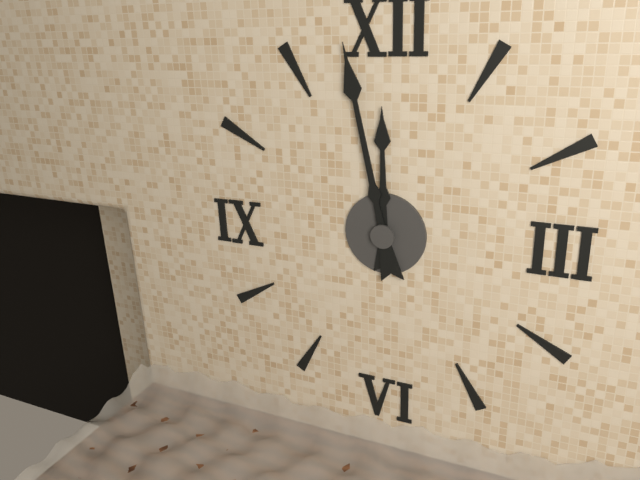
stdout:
**11:58**
